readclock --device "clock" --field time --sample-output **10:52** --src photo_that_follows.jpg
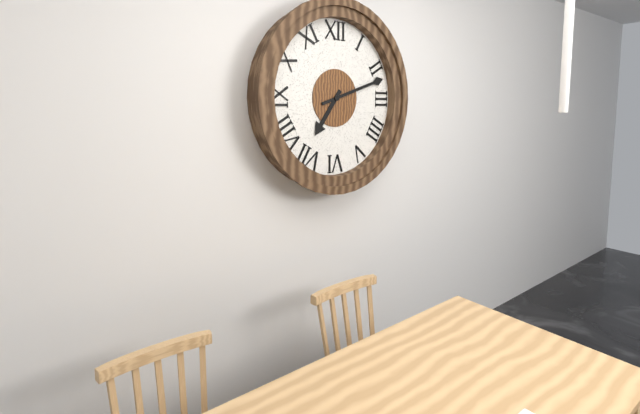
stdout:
**7:12**
